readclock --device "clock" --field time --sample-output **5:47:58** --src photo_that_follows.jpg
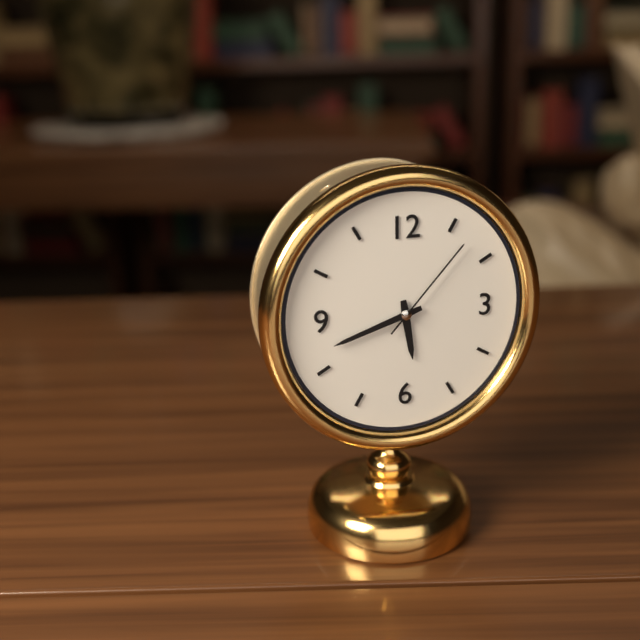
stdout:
**5:42:07**
